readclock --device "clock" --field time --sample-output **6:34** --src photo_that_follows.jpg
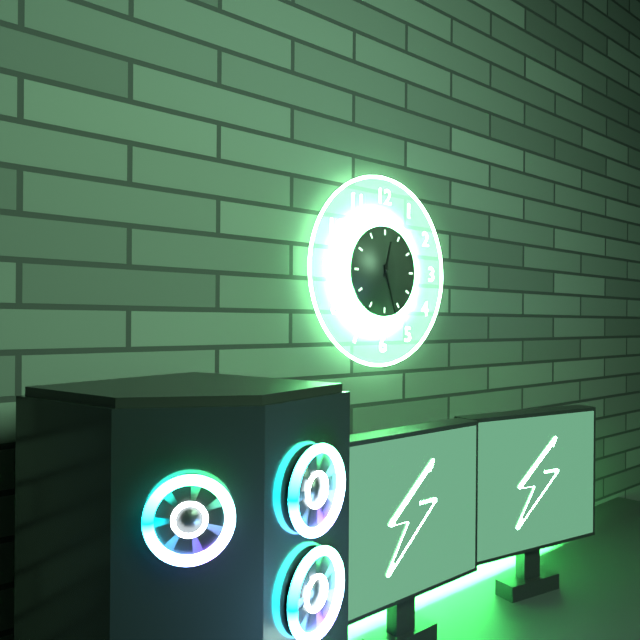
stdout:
**12:27**
